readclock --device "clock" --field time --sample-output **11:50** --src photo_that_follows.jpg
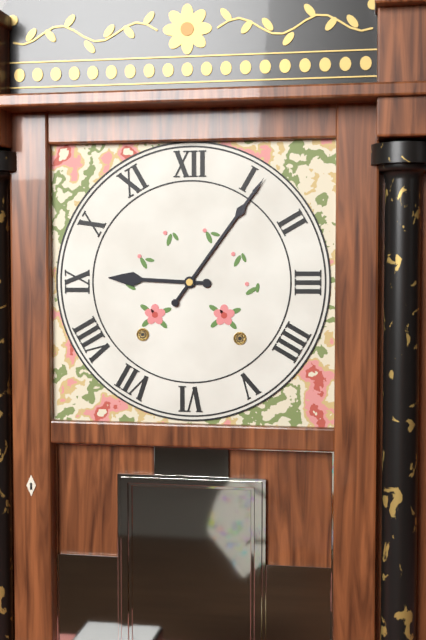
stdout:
**9:06**
